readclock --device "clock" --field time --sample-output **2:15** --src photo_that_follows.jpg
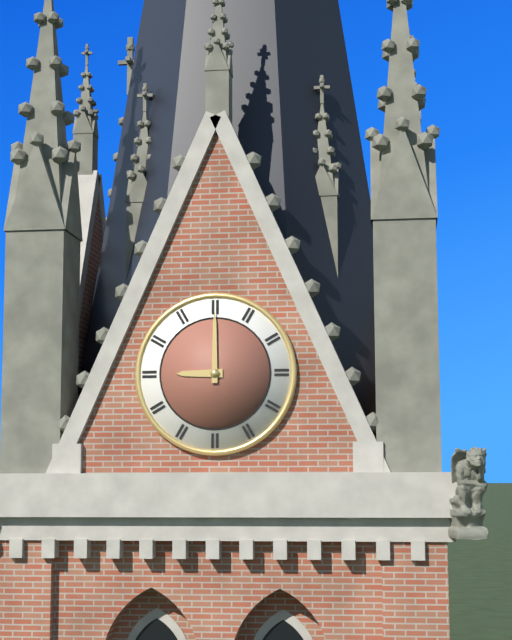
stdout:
**9:00**
